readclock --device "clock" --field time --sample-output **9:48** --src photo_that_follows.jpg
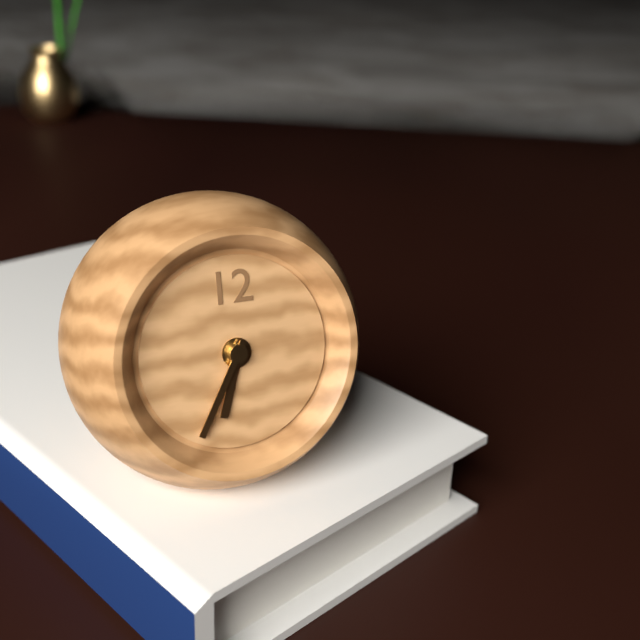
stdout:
**6:35**
